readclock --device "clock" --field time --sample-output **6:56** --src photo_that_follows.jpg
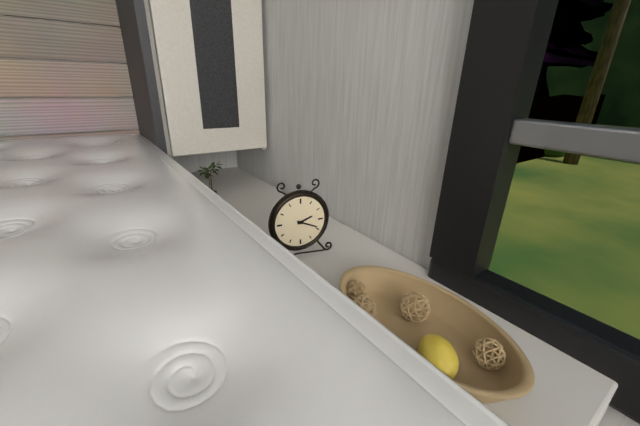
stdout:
**2:19**
